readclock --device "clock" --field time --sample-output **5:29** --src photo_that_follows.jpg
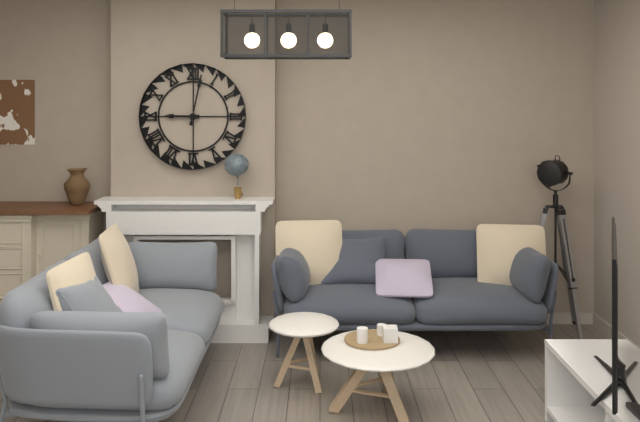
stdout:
**9:02**
